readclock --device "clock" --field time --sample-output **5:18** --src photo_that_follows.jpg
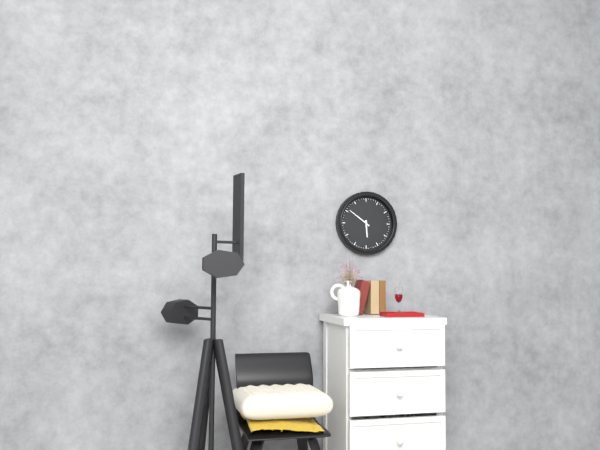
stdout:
**5:51**
